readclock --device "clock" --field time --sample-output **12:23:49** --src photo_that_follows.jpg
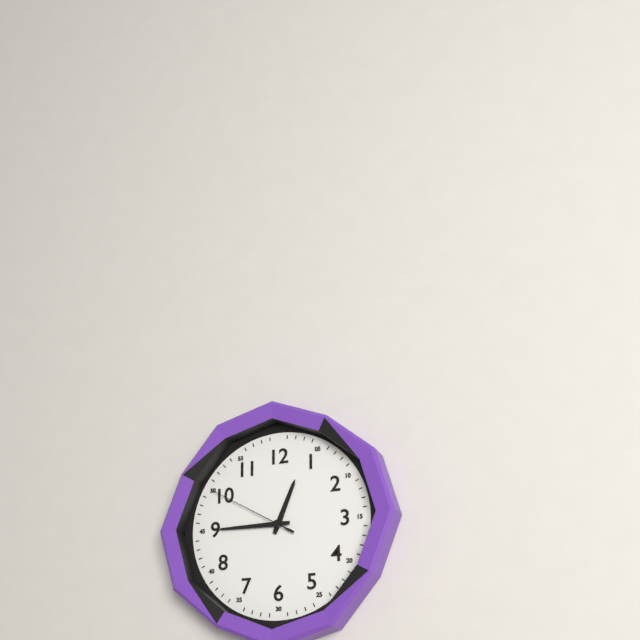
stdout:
**12:45:50**
